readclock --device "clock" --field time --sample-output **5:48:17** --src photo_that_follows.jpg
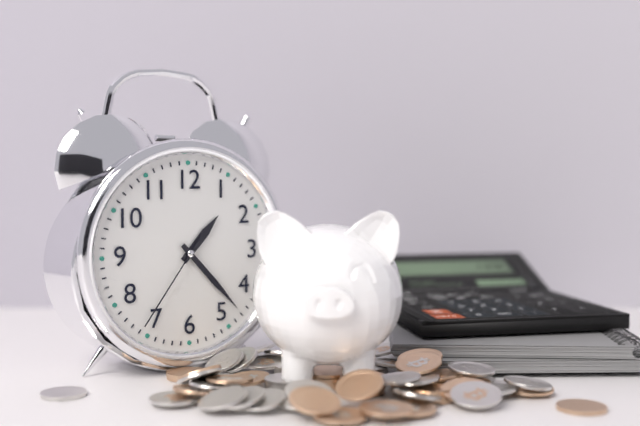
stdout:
**1:23:36**
